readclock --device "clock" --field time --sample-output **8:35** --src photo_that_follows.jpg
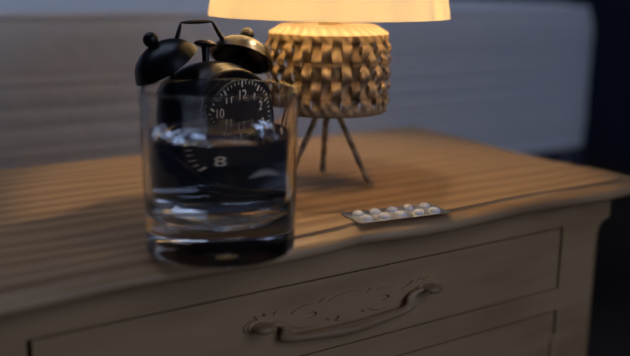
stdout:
**5:35**
